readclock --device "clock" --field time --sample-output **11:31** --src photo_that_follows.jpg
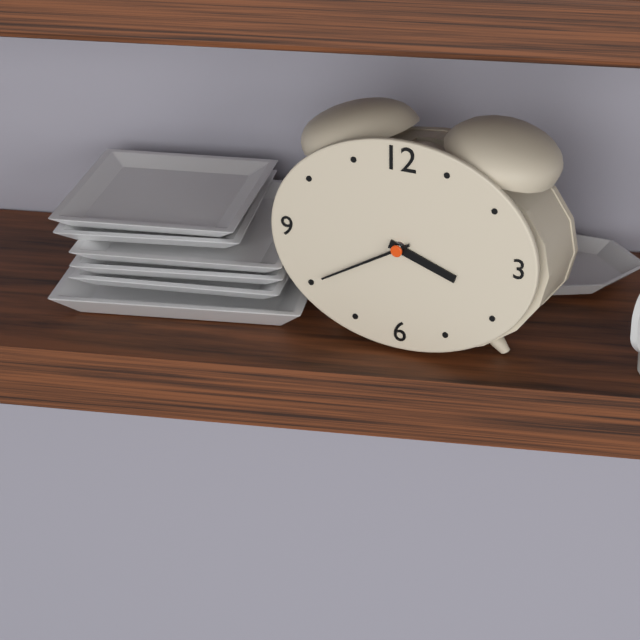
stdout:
**3:40**
